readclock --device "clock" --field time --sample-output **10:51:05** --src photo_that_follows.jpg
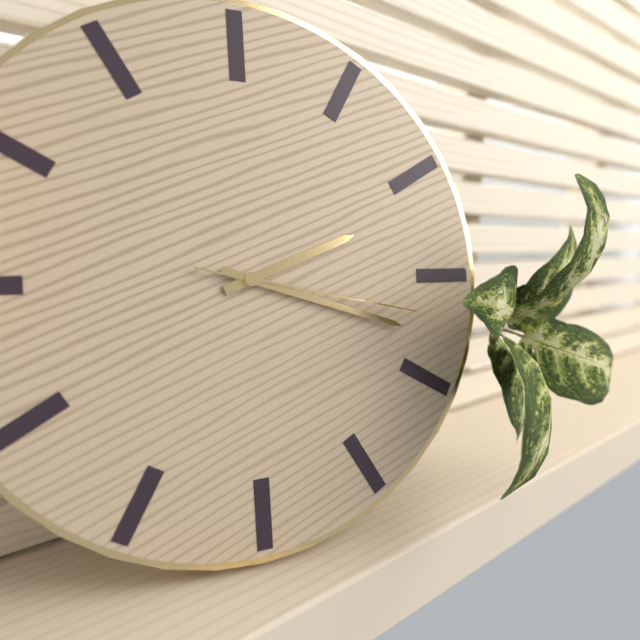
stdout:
**2:18:17**
